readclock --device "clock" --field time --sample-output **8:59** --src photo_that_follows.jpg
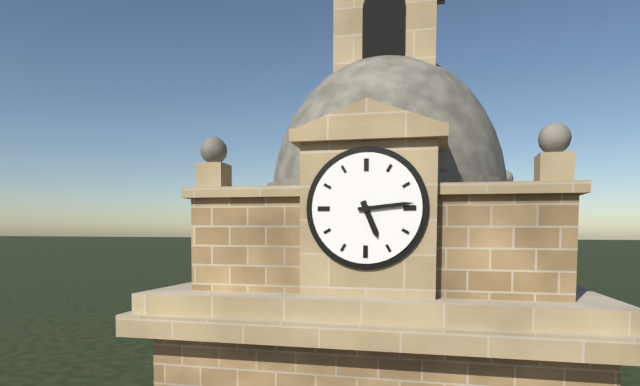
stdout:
**5:14**
